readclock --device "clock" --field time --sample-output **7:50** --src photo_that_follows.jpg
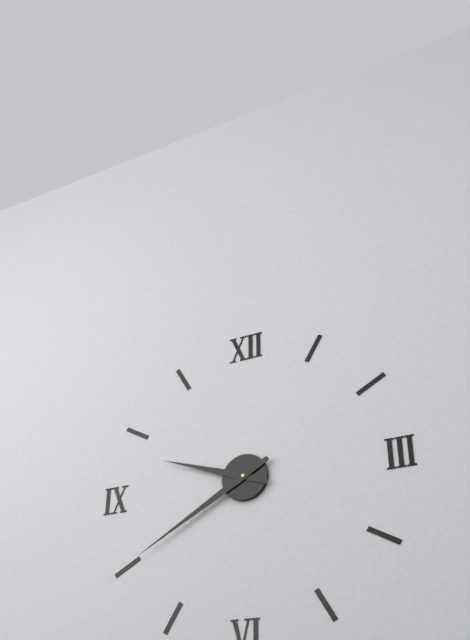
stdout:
**9:40**
